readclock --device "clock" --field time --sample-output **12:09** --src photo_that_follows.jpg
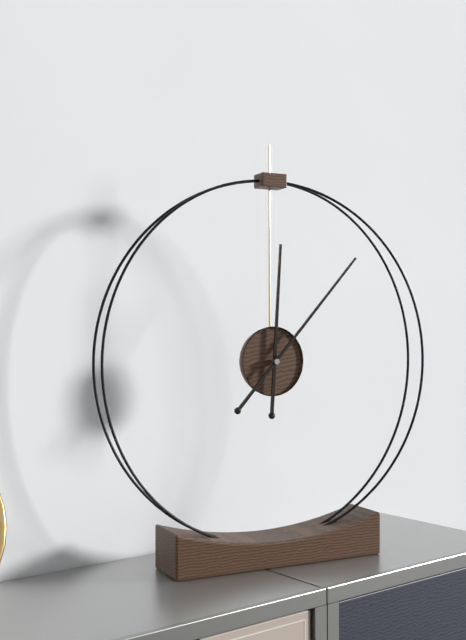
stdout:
**12:07**
